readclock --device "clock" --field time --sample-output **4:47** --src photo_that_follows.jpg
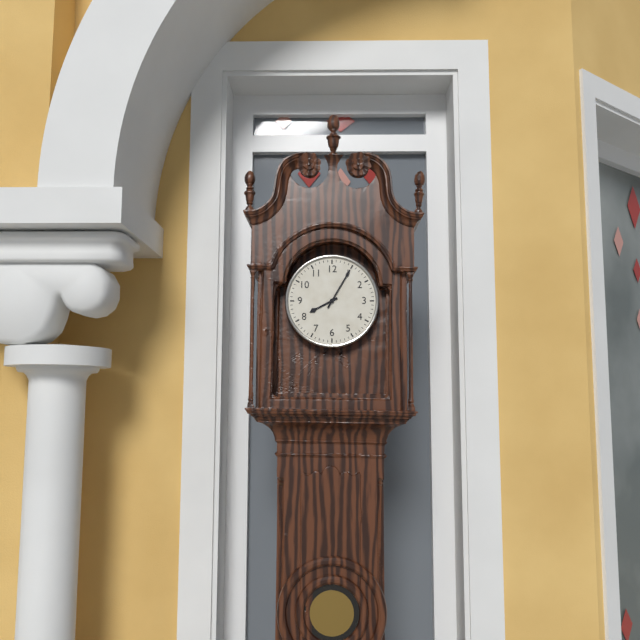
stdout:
**8:05**
